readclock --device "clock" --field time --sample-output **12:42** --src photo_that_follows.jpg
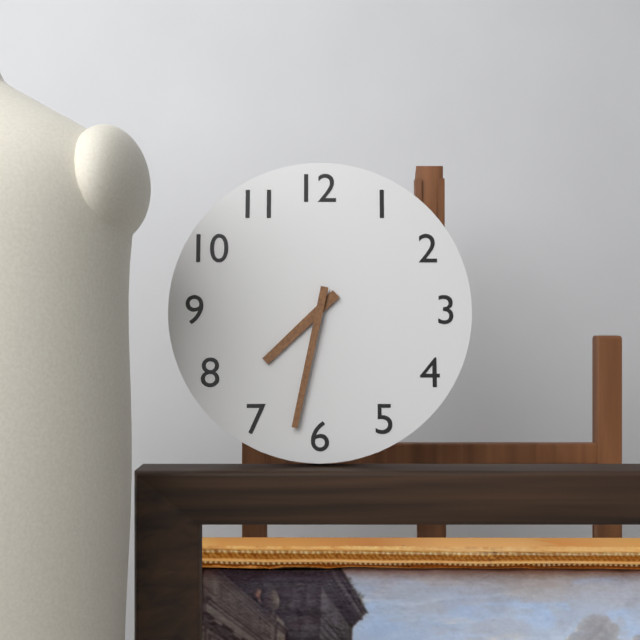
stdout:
**7:32**
